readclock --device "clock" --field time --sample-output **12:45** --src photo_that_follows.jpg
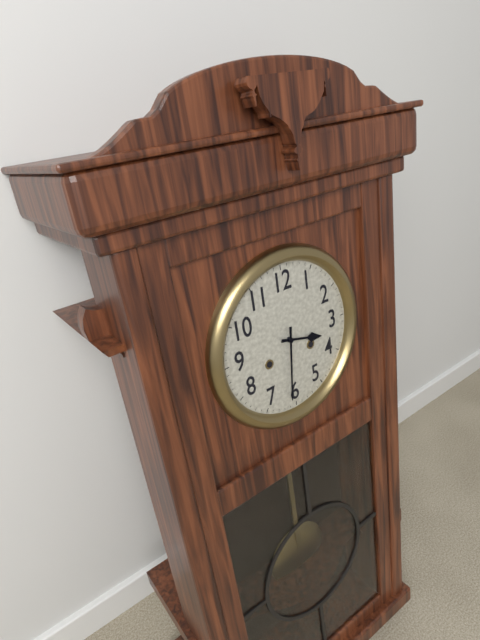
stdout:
**3:31**
